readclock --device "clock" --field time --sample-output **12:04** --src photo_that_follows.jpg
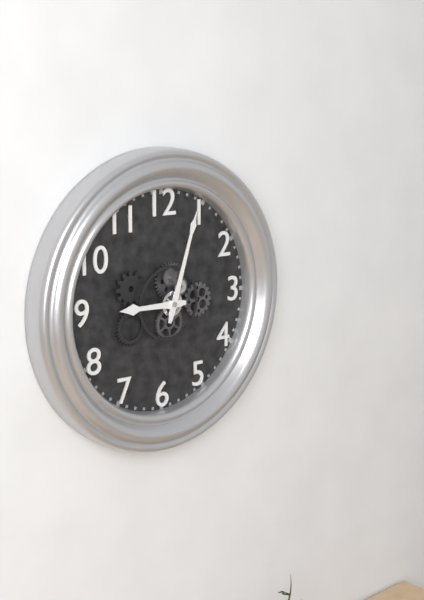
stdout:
**9:03**
